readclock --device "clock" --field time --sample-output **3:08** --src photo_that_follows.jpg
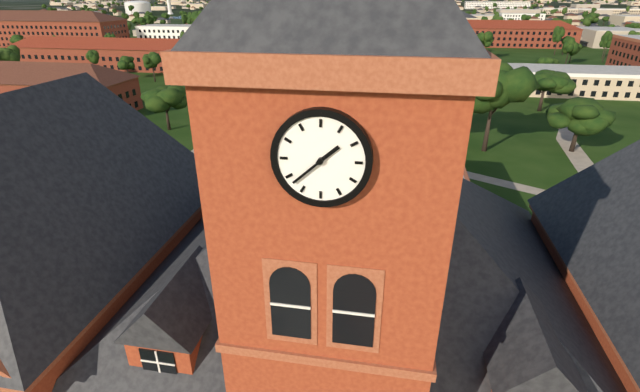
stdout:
**1:38**
